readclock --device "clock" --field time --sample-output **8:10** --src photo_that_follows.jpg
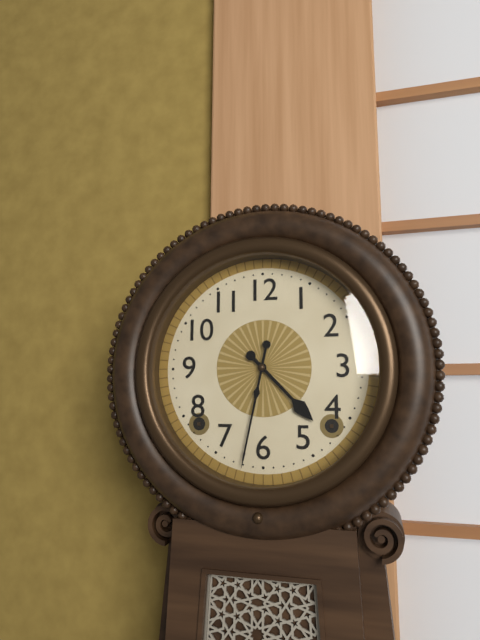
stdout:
**4:32**
